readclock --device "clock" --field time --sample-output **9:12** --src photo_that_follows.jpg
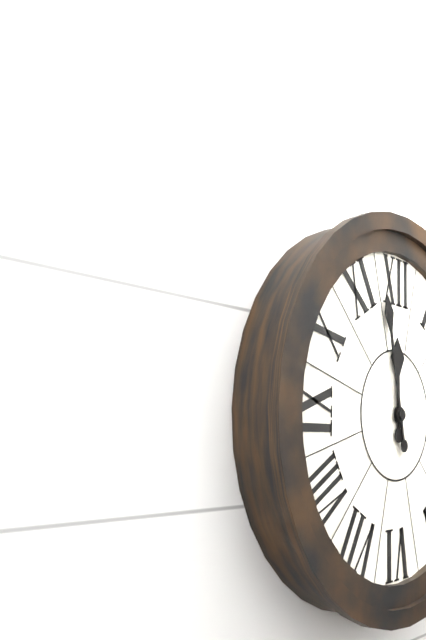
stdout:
**11:58**
